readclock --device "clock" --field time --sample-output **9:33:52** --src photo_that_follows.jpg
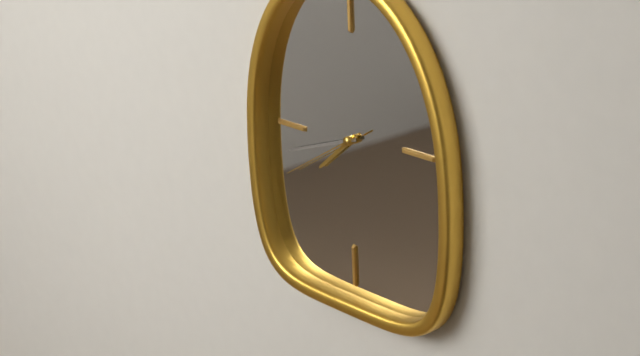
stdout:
**7:42:40**
